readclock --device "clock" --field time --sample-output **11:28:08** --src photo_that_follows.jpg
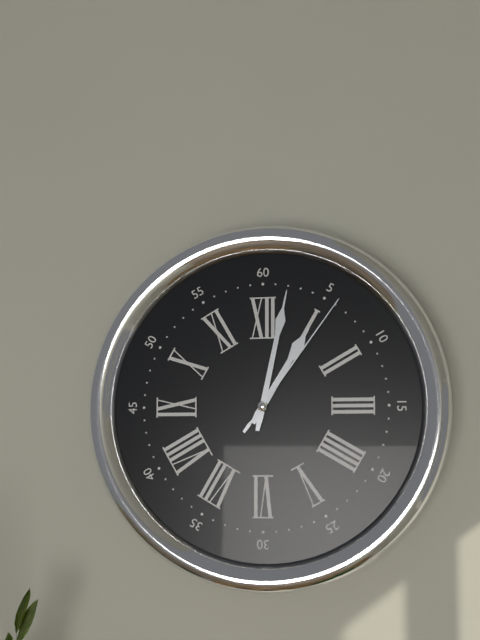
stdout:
**1:02:06**
